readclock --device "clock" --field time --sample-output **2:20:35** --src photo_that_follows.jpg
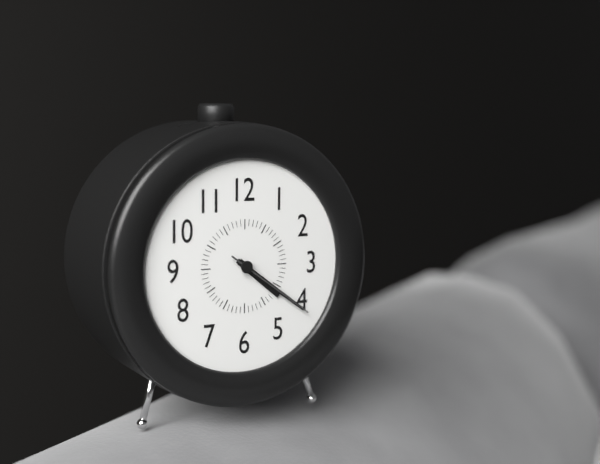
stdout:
**4:21:21**
